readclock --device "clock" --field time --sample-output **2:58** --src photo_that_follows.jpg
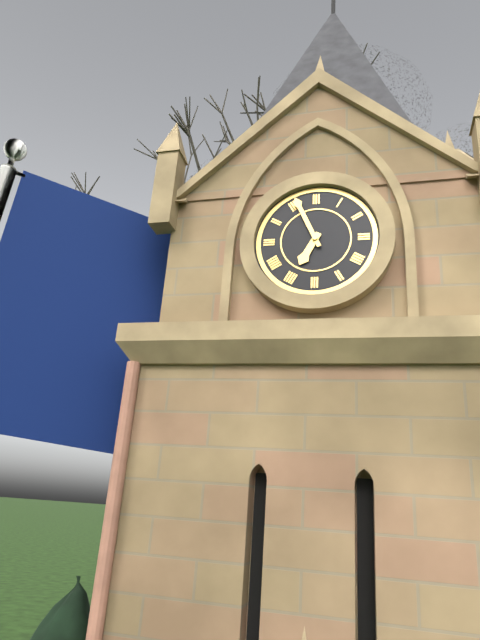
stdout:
**6:56**
